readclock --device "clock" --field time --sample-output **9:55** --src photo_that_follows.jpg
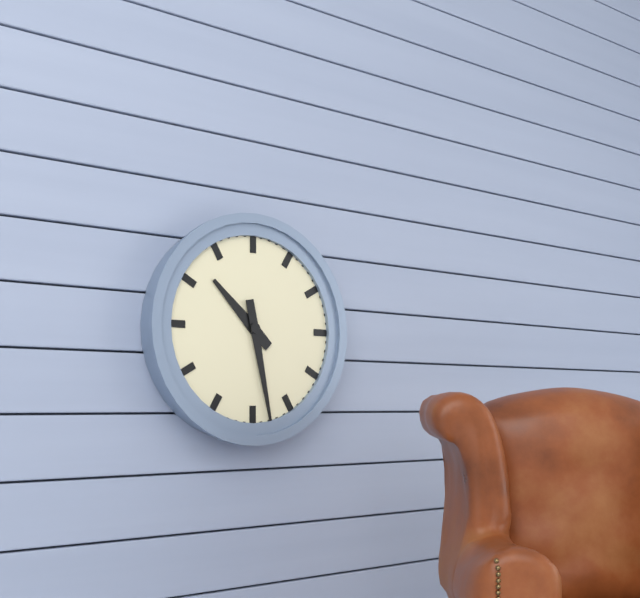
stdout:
**10:28**
